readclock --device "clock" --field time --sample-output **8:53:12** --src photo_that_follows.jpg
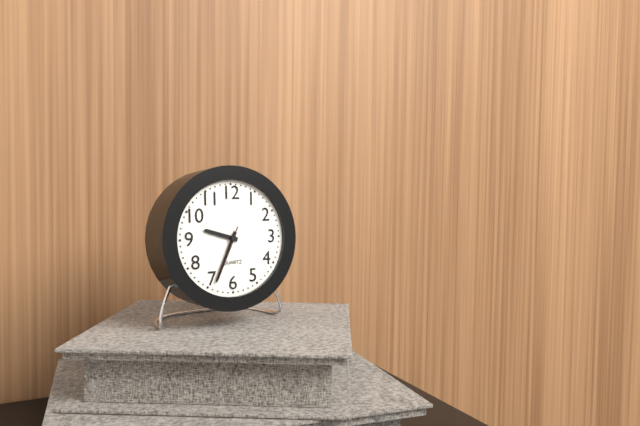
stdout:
**9:34:34**
